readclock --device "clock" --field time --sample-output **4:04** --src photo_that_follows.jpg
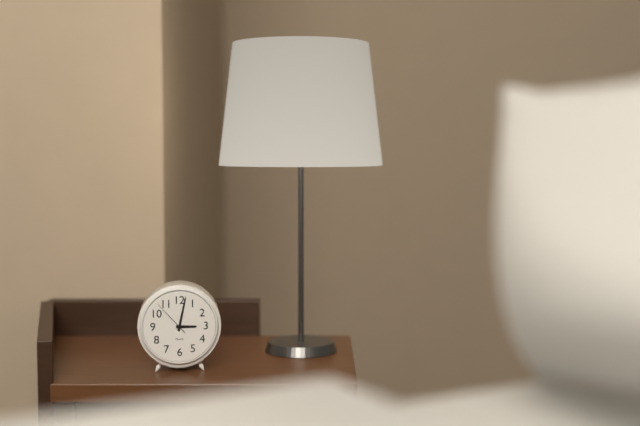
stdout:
**3:02**
